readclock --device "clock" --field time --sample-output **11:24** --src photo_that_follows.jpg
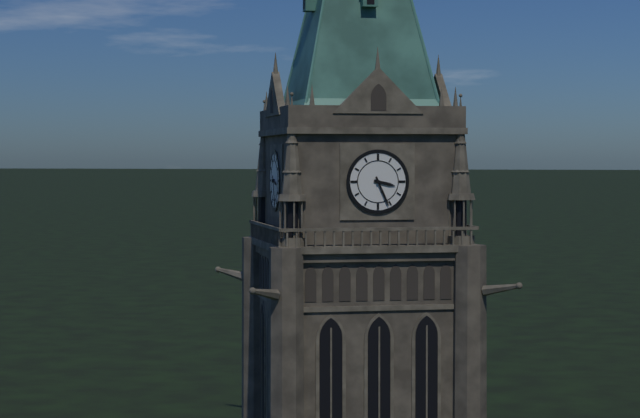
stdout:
**3:26**
